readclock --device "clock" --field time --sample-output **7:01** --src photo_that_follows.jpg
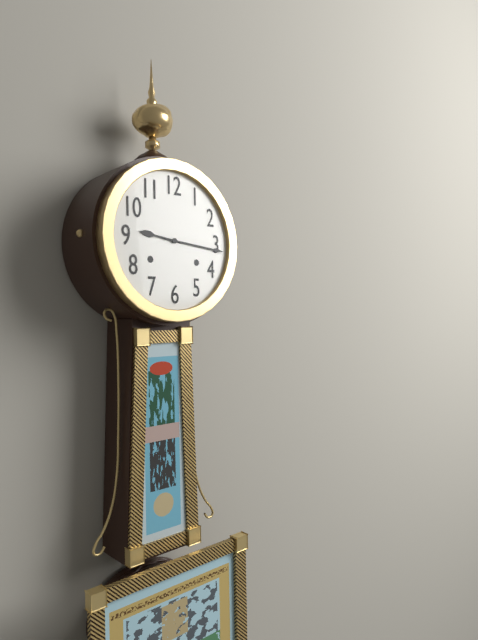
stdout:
**9:16**
